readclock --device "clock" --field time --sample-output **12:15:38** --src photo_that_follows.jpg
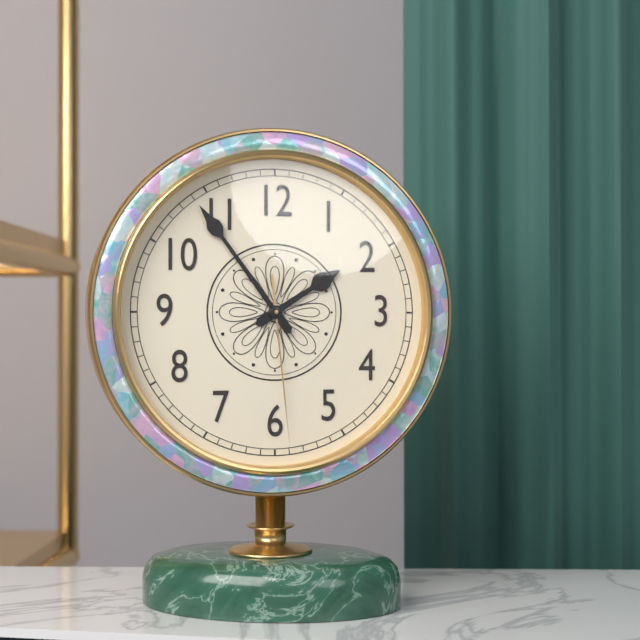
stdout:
**1:54:29**
